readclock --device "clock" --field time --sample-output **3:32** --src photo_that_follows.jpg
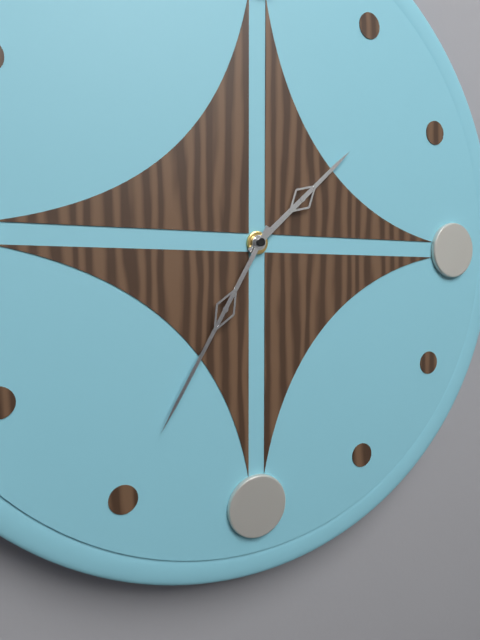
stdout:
**1:35**
